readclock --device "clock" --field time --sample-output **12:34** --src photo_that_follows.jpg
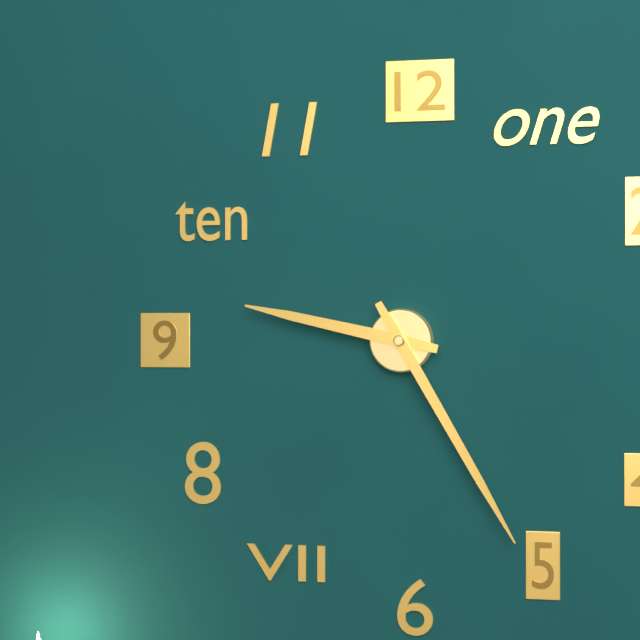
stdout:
**9:25**
